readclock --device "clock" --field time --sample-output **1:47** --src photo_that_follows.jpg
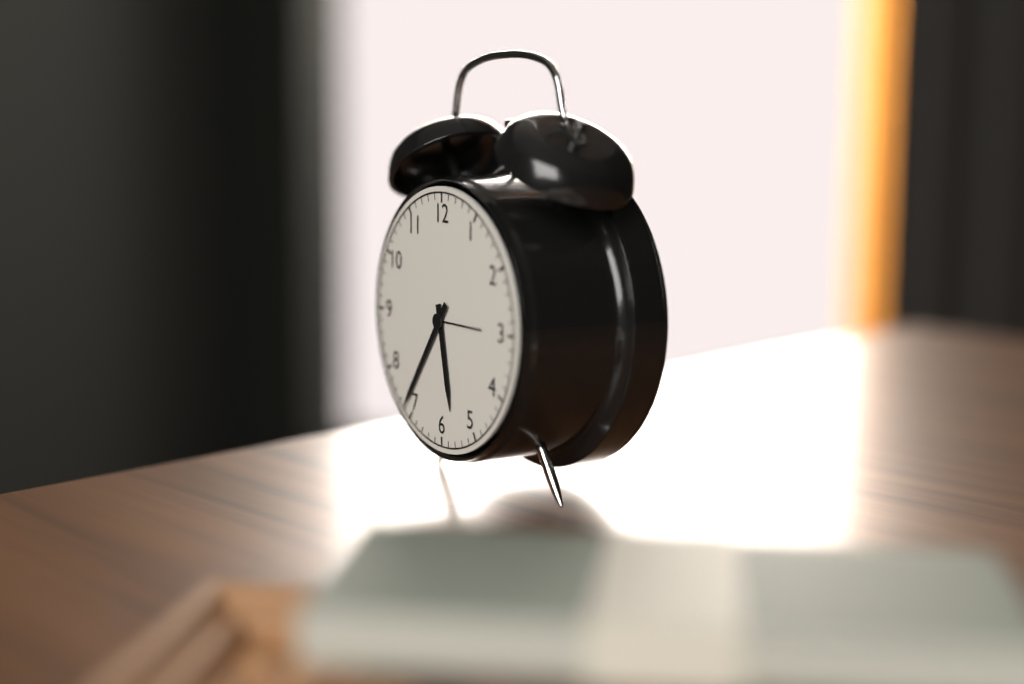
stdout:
**5:36**
